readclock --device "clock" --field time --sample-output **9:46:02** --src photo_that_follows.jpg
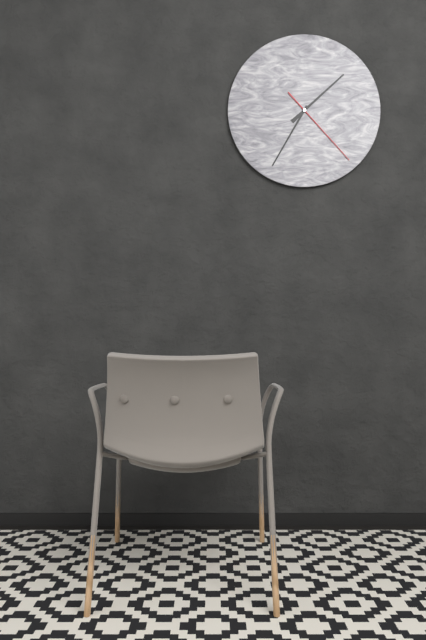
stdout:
**1:35:23**
